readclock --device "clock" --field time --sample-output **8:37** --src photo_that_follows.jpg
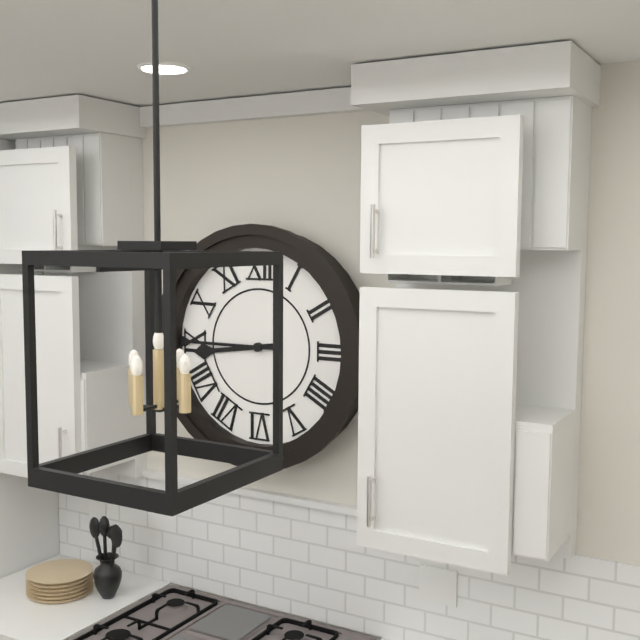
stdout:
**8:45**
